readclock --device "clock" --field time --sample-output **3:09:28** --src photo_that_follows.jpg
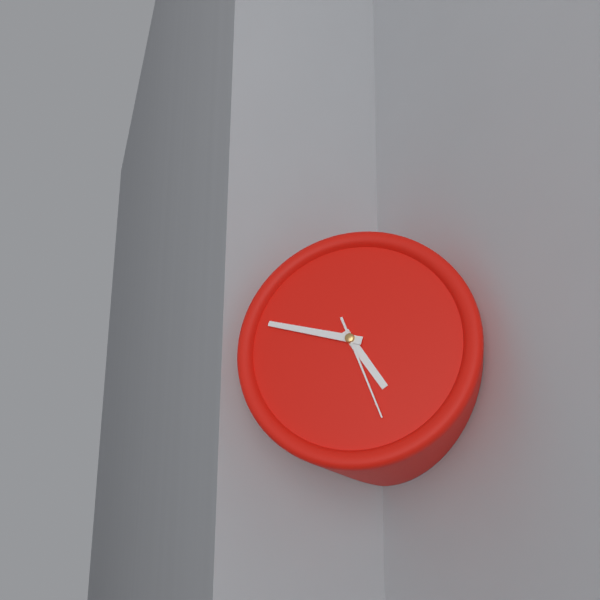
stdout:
**4:47:26**
